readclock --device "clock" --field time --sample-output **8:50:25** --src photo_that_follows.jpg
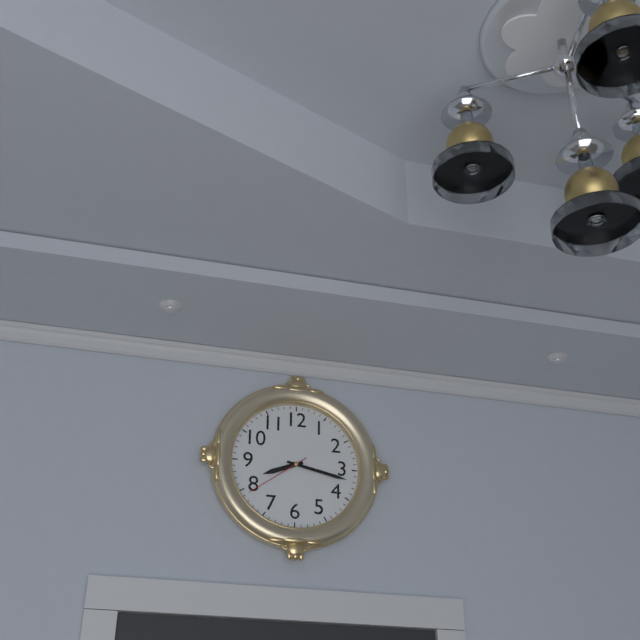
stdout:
**8:17:39**
